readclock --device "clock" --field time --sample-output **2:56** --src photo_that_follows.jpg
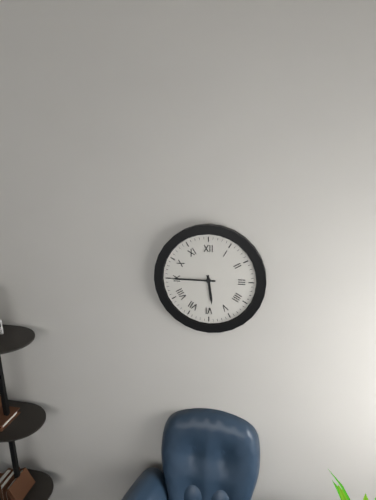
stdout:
**5:45**
